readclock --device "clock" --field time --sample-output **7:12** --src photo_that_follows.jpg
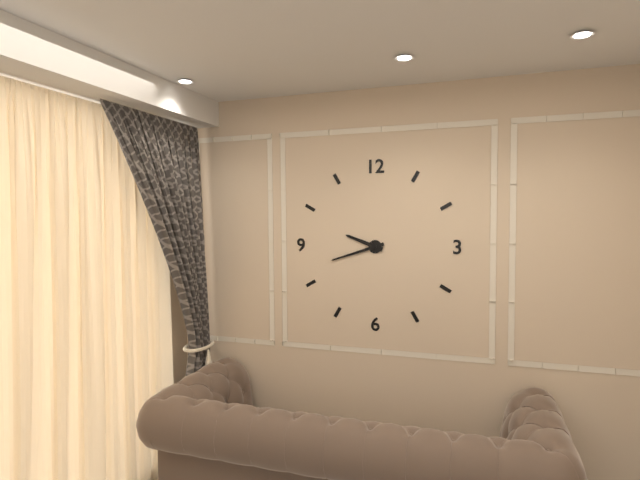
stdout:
**9:42**
